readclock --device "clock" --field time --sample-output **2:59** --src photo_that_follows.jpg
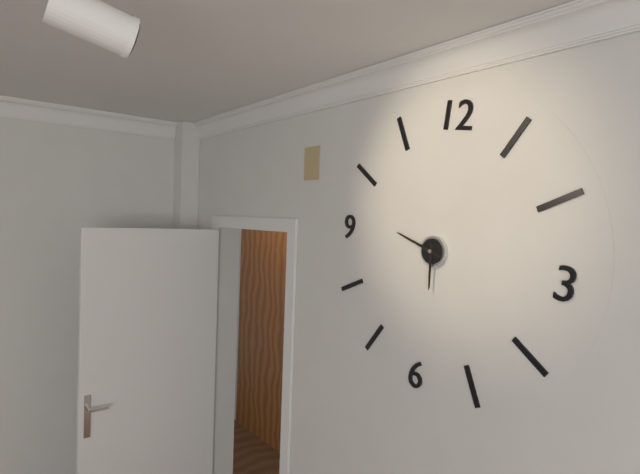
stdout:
**5:47**
